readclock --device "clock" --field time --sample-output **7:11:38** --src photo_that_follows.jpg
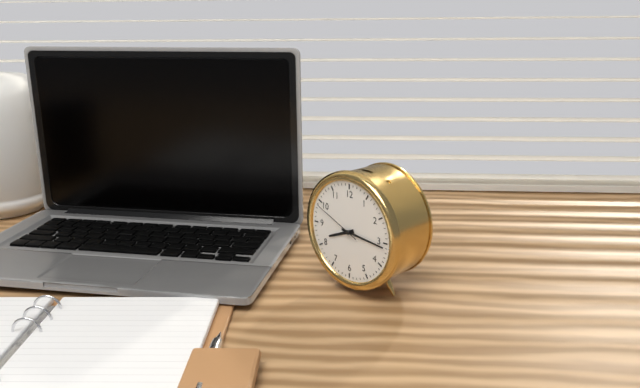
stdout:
**8:16:49**
